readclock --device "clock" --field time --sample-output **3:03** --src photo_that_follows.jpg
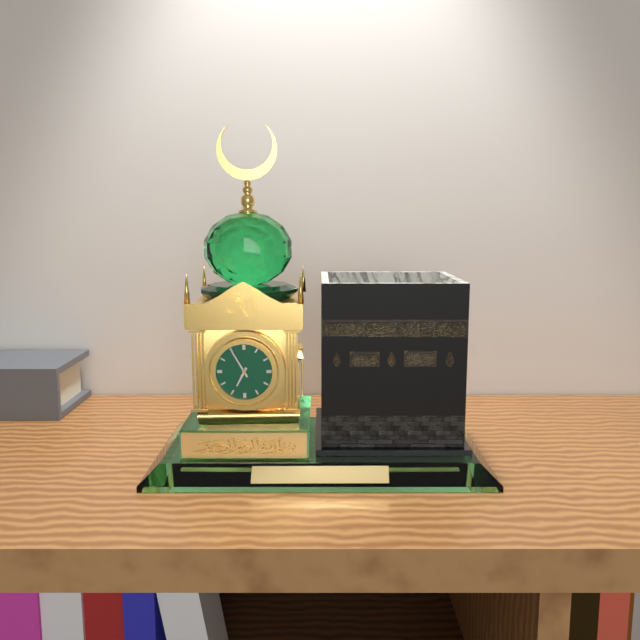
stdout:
**6:55**
